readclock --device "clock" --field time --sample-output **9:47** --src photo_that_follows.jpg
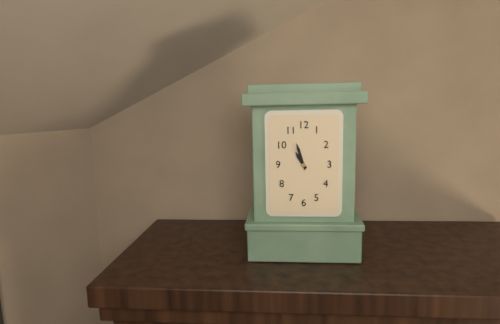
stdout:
**10:57**
